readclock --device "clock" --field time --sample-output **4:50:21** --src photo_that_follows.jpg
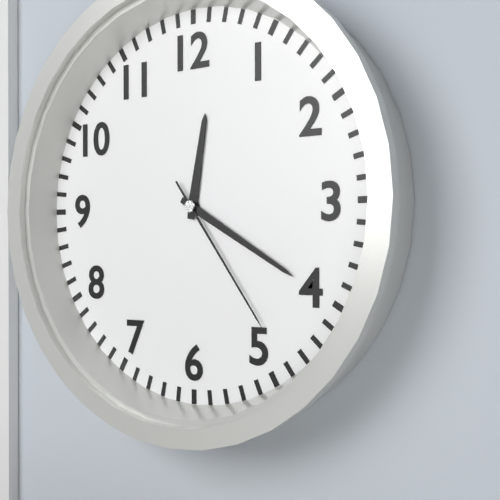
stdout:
**12:20:24**
